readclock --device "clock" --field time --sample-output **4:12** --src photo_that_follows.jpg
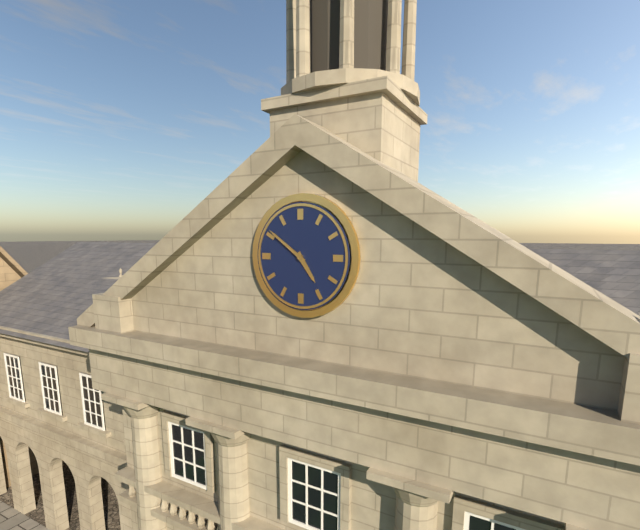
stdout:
**4:51**
